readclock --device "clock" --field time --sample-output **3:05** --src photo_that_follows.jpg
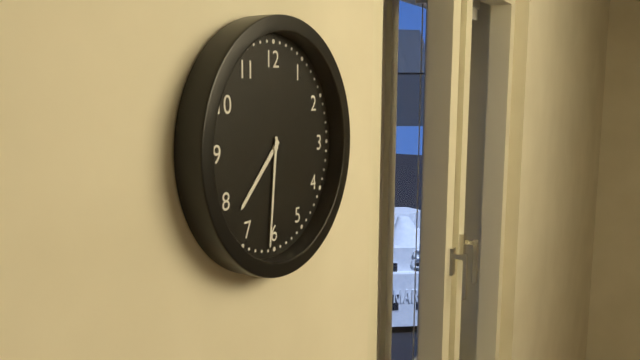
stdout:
**7:31**
